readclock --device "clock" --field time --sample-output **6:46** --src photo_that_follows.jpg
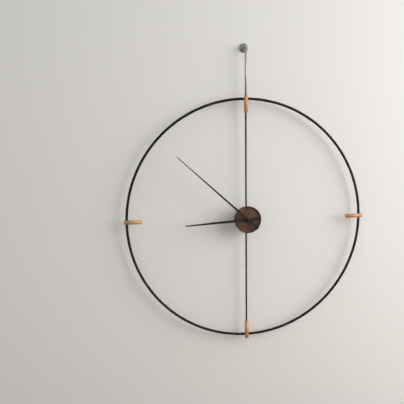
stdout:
**8:52**
